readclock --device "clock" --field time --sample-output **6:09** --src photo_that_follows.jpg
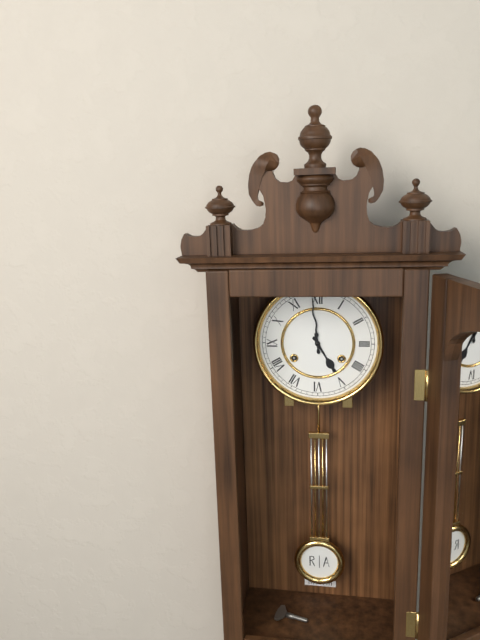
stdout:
**4:59**
